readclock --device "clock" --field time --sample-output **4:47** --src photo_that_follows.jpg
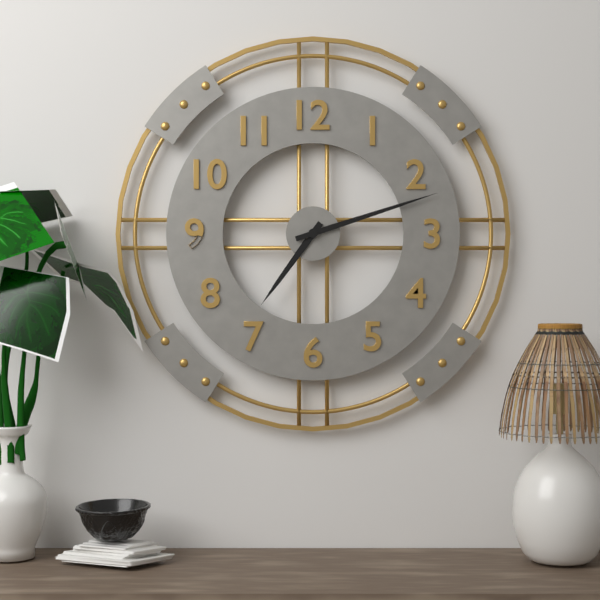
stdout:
**7:12**
